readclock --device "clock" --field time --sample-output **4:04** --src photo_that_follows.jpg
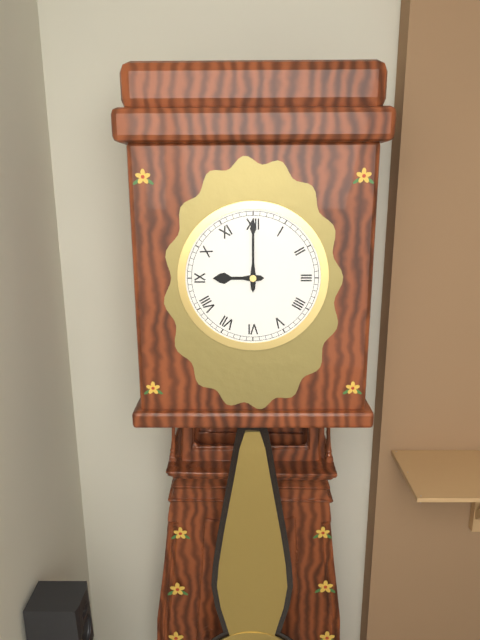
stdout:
**9:00**
